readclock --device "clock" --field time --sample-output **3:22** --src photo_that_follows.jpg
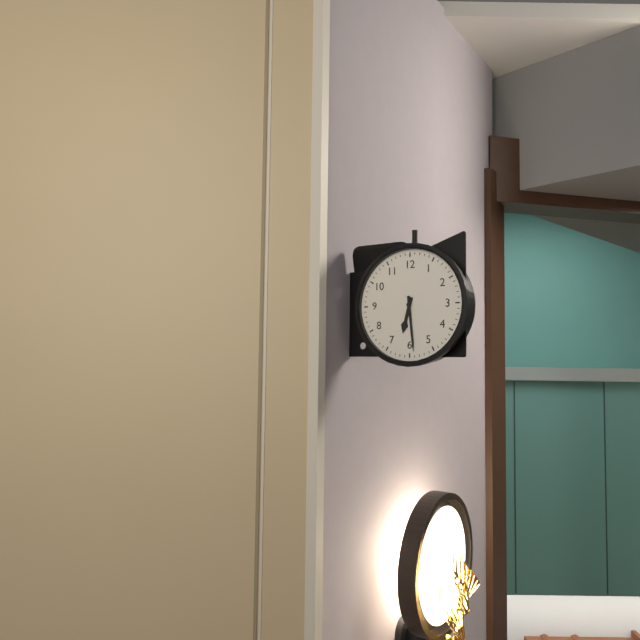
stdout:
**6:29**
